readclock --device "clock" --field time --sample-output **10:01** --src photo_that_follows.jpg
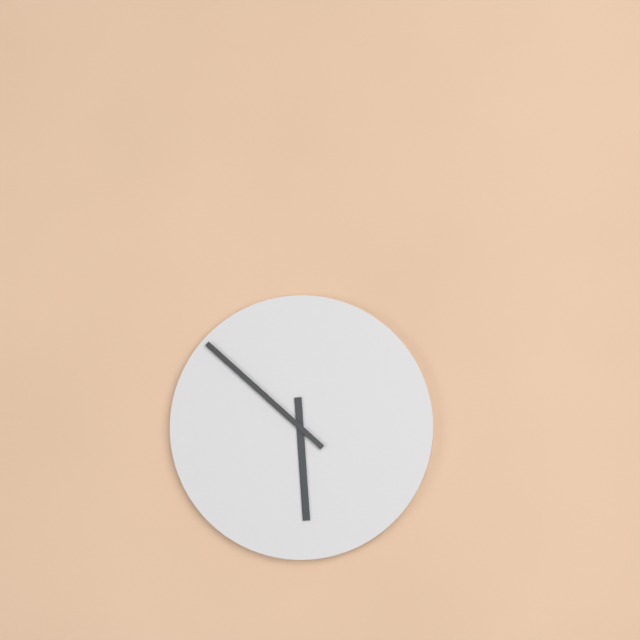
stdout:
**5:52**
